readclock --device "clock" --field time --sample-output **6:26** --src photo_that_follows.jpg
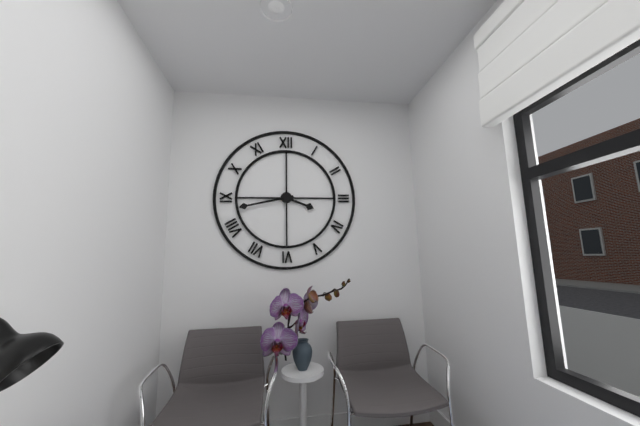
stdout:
**3:43**
